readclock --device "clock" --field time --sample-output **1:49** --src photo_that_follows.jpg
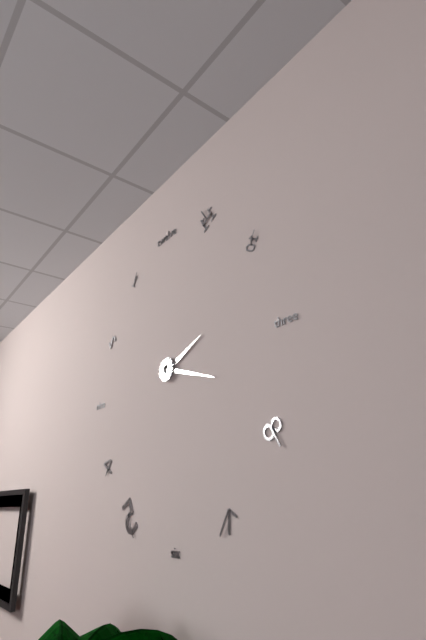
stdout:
**2:18**
